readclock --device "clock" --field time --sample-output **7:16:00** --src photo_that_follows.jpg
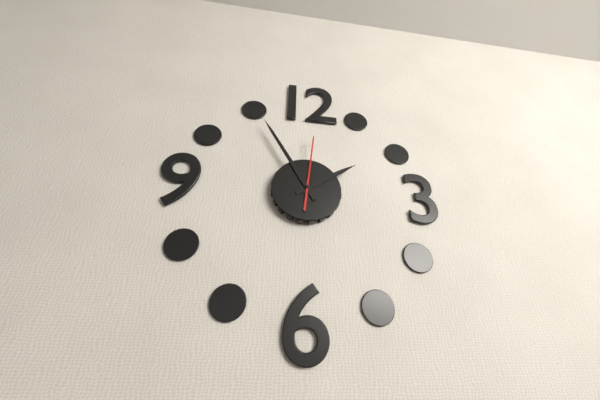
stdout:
**1:55:01**
